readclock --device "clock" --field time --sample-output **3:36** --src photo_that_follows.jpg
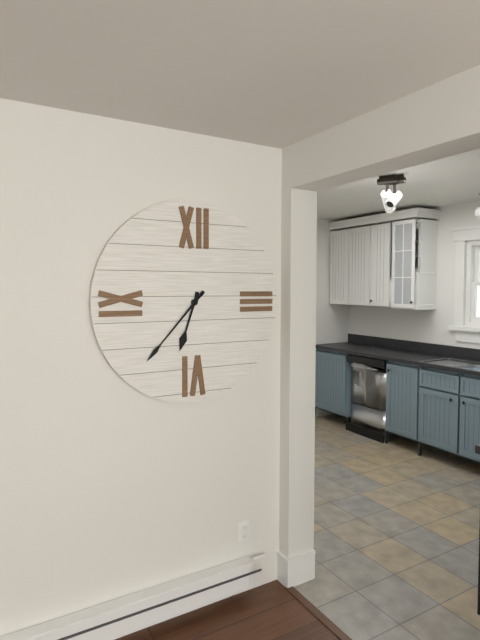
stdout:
**6:37**
